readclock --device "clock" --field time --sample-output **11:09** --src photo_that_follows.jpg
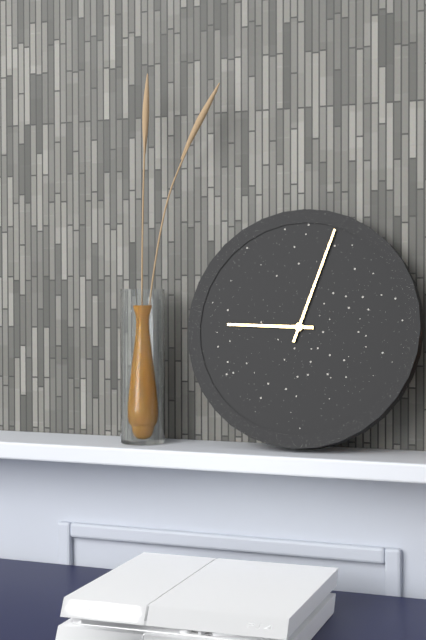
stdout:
**9:03**
